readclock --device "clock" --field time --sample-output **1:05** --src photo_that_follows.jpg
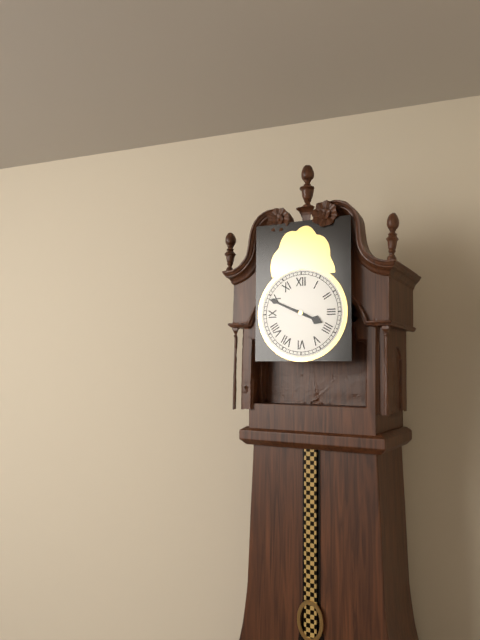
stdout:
**3:49**
